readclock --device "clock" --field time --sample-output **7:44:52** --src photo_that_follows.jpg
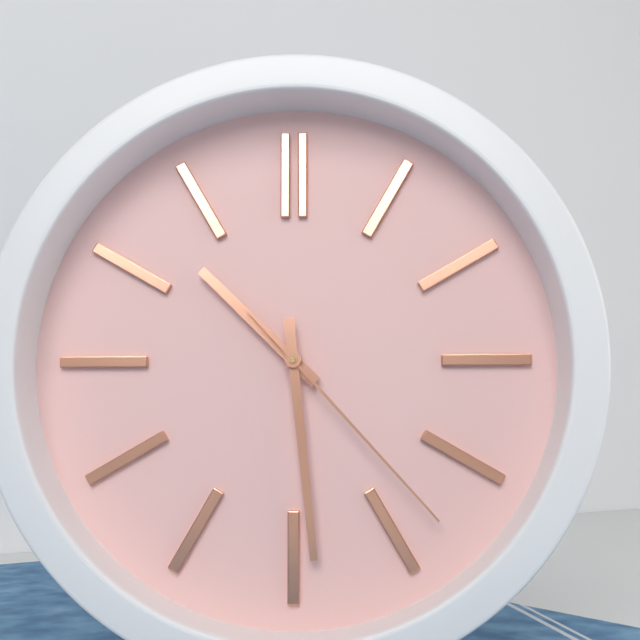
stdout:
**10:29:23**
